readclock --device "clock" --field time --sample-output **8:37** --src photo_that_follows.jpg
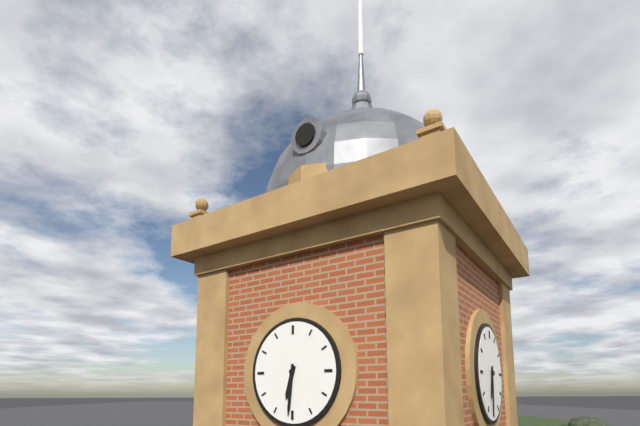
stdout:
**6:31**
